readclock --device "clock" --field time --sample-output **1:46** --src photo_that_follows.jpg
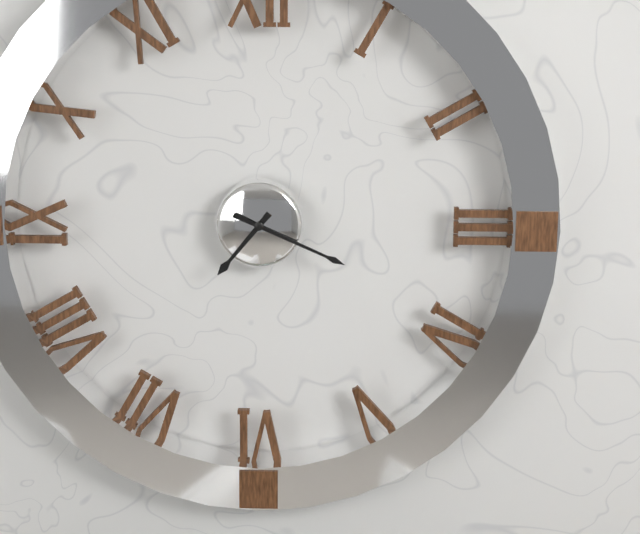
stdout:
**7:19**
